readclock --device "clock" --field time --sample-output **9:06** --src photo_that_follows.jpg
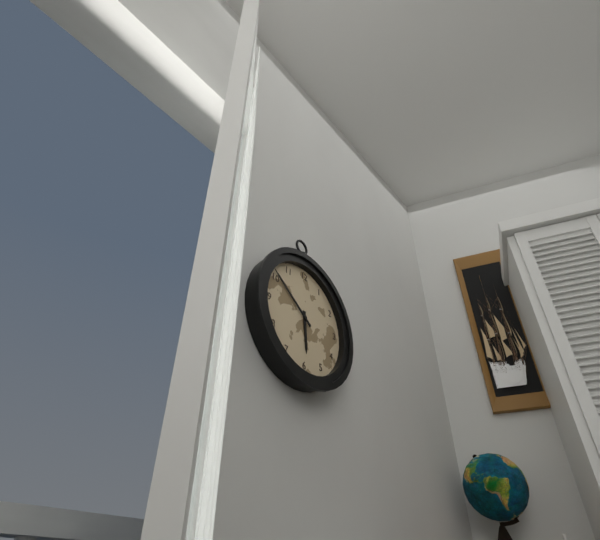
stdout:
**5:51**
